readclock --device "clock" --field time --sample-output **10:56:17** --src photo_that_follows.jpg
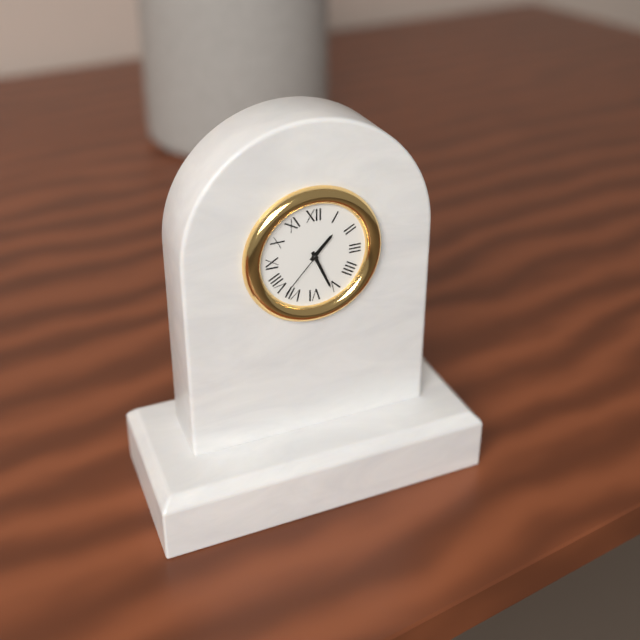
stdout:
**1:26:37**
